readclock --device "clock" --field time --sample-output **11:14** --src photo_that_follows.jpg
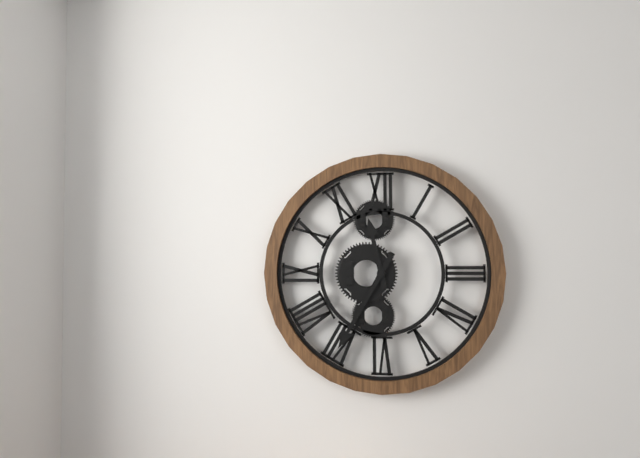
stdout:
**11:35**
